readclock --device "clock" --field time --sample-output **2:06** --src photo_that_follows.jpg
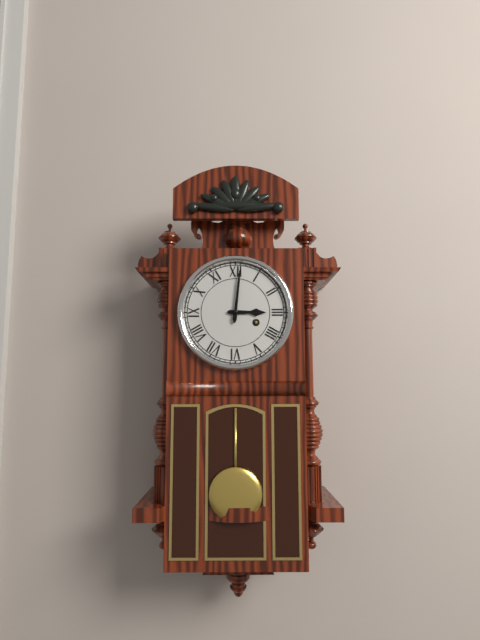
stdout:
**3:01**
